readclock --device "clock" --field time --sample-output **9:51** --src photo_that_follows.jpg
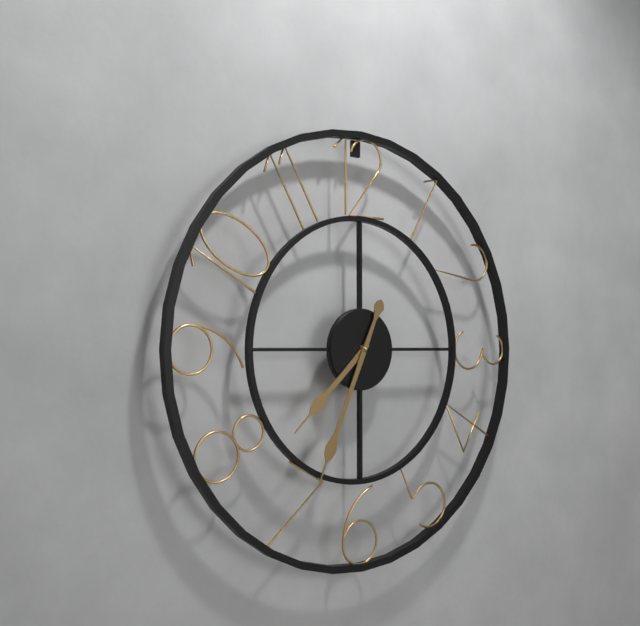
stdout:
**7:34**
